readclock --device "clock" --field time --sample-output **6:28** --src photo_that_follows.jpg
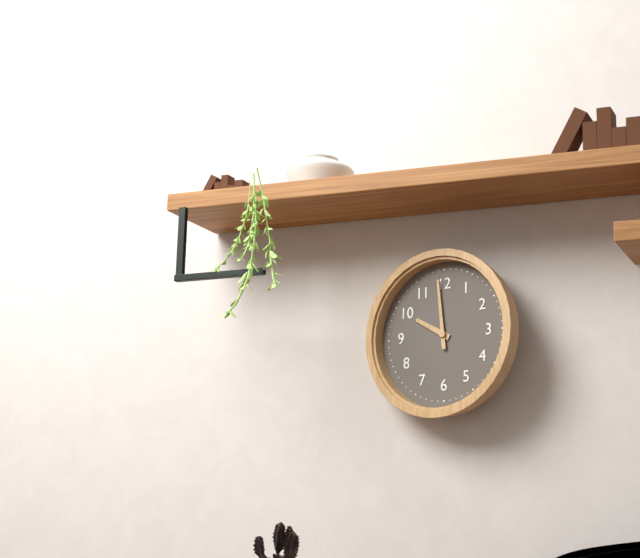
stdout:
**9:59**
